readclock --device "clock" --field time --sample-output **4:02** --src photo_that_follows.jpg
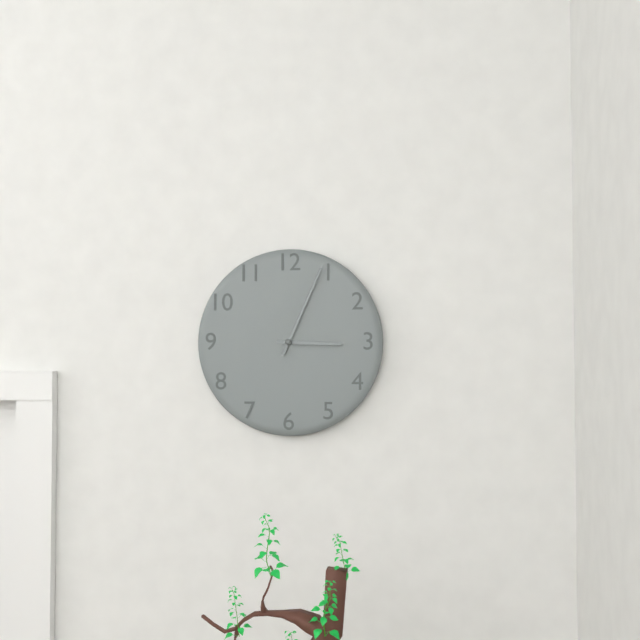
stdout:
**3:04**
